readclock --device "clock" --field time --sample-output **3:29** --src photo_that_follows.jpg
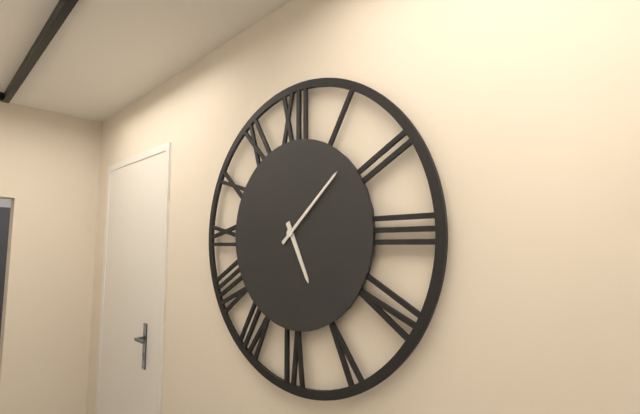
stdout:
**5:08**
